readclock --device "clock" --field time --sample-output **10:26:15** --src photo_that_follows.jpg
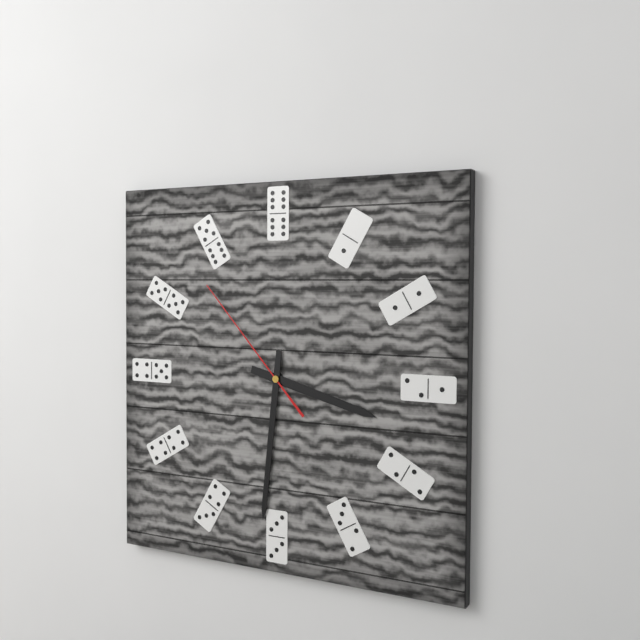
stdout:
**3:31:53**
